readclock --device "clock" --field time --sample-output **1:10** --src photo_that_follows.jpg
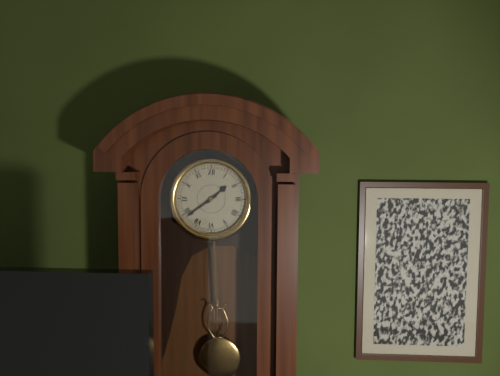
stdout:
**1:39**
